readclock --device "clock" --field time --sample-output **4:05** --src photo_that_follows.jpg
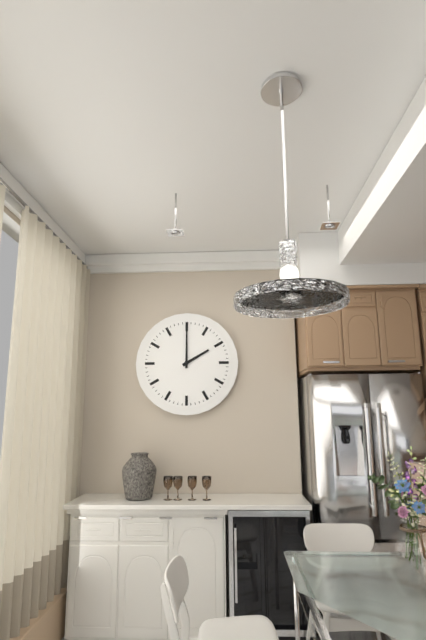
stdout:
**2:00**
